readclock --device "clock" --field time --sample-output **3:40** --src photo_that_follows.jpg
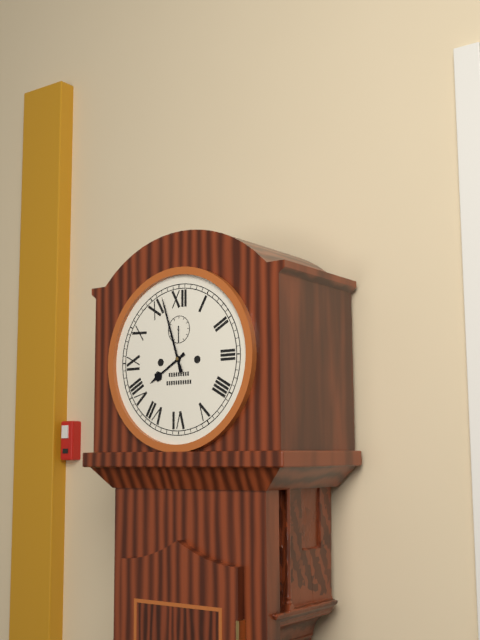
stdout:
**7:57**
